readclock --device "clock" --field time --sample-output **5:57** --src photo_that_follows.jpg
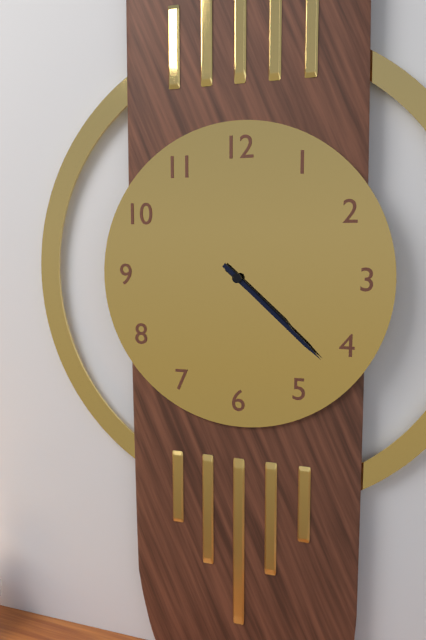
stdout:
**4:22**
